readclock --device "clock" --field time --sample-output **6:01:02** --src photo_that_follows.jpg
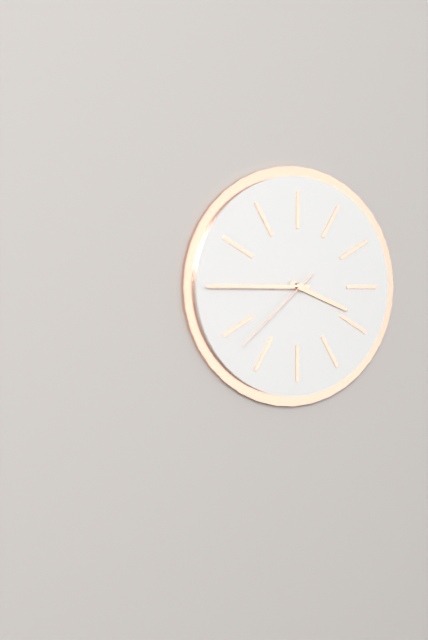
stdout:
**3:45:38**
